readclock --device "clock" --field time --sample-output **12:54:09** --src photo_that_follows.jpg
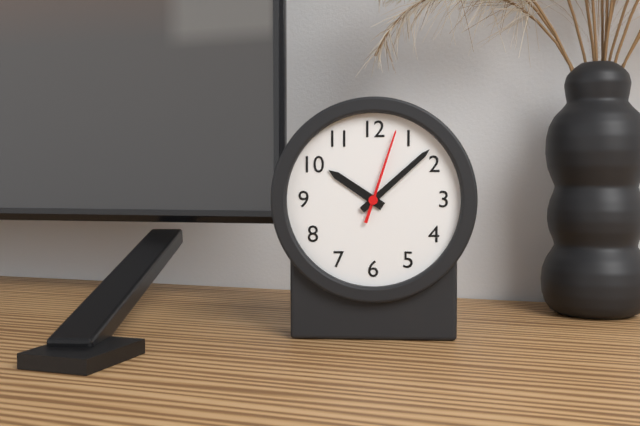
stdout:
**10:08:03**
